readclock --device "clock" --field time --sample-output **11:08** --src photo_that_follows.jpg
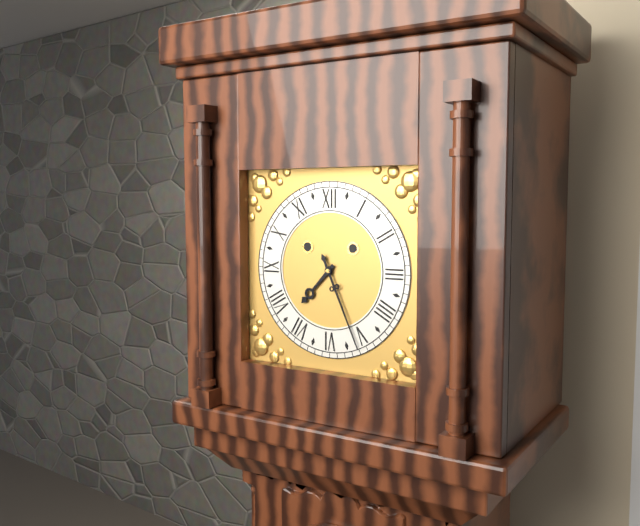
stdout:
**7:26**
